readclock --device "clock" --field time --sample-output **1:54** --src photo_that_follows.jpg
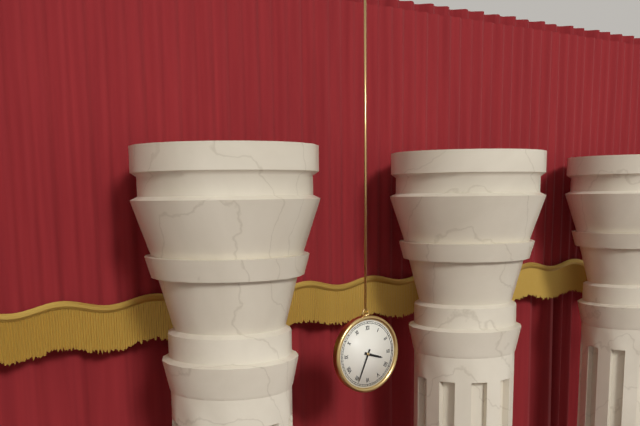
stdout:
**3:34**
